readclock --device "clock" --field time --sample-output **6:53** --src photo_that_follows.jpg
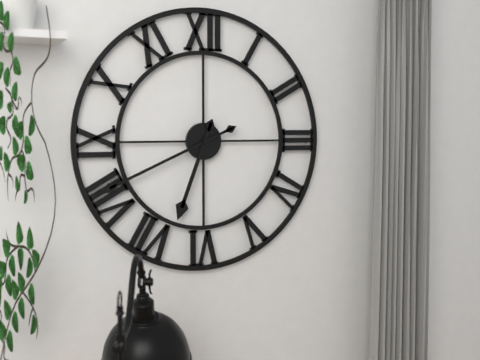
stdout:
**6:41**
